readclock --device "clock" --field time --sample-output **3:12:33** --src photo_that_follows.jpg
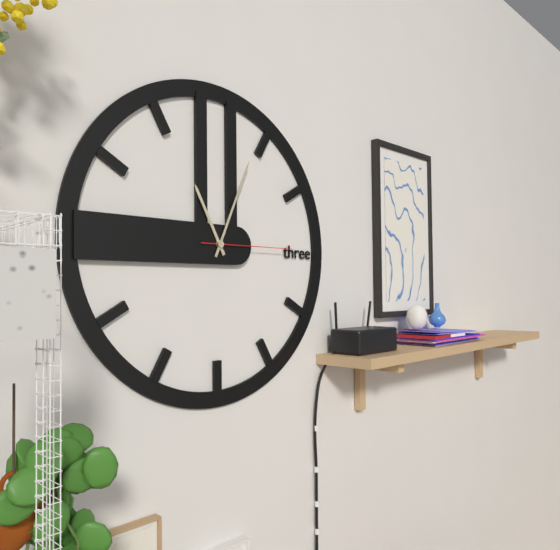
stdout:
**11:04:15**
